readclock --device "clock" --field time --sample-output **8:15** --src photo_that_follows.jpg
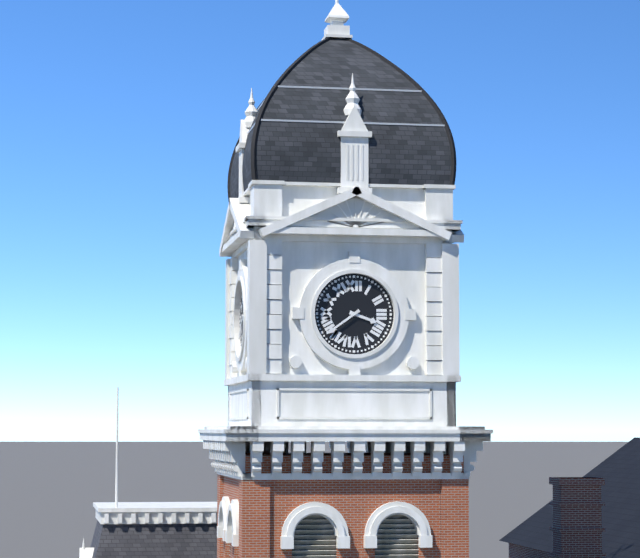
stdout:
**3:39**
